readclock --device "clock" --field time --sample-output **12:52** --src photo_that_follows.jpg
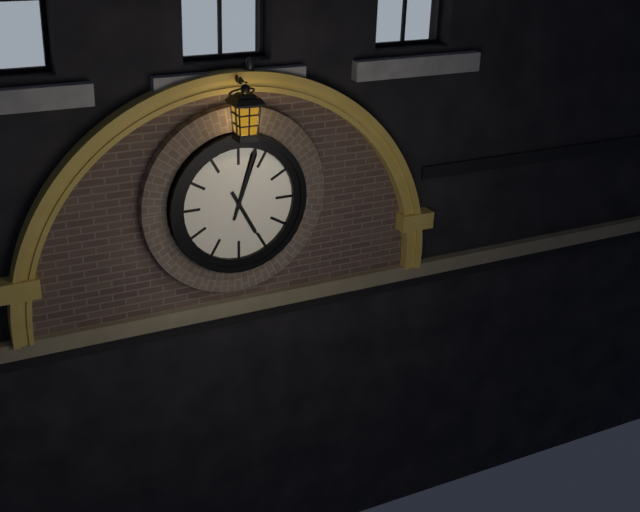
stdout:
**5:03**
